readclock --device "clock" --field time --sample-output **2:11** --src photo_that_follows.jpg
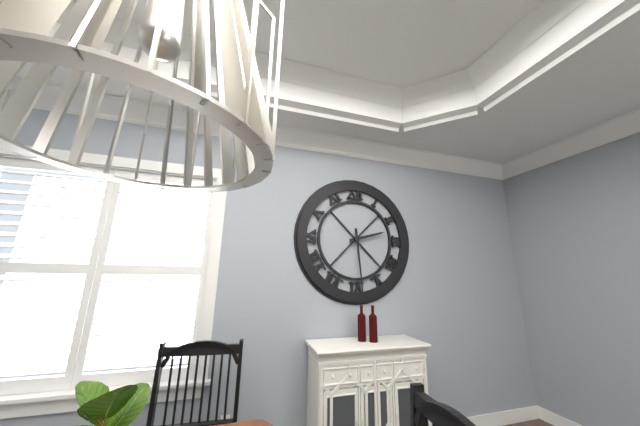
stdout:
**2:29**
